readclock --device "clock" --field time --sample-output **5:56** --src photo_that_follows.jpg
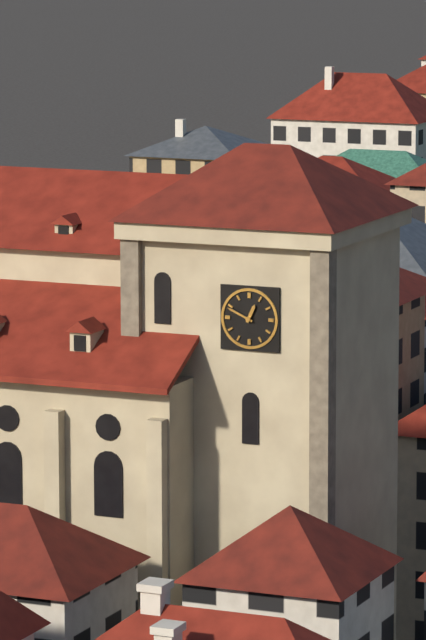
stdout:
**12:49**
